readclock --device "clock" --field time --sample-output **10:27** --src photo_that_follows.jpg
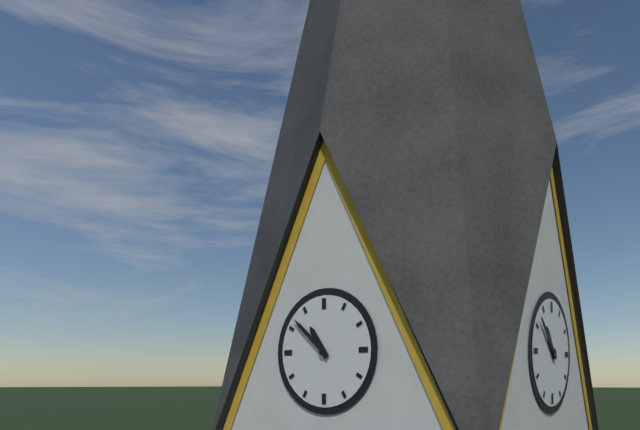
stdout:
**10:52**
